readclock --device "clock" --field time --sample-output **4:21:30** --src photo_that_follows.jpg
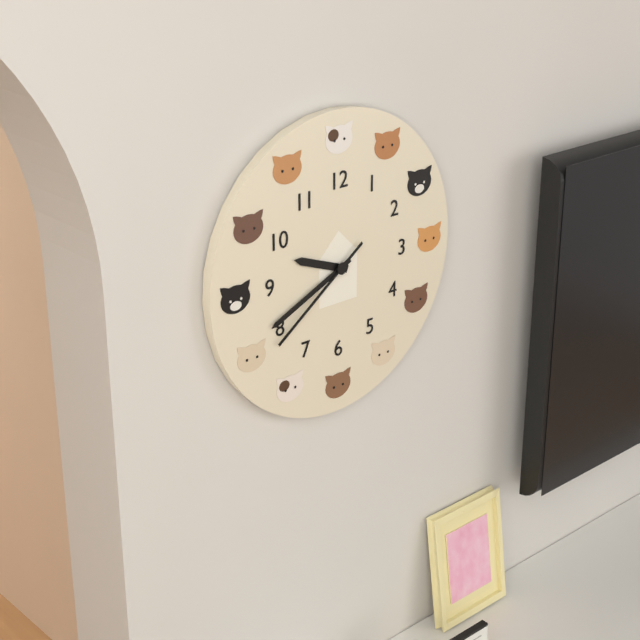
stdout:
**9:41:39**
